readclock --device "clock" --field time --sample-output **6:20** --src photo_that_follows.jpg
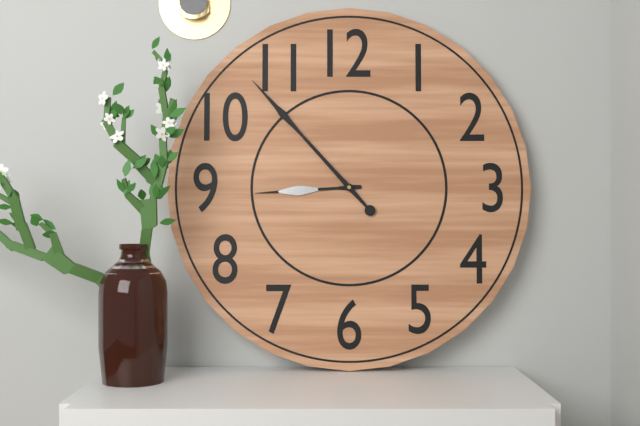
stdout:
**8:53**
